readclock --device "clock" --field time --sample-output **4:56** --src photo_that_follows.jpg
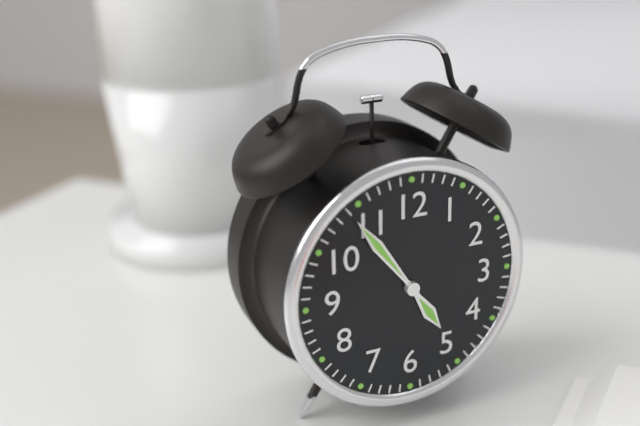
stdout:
**4:54**
